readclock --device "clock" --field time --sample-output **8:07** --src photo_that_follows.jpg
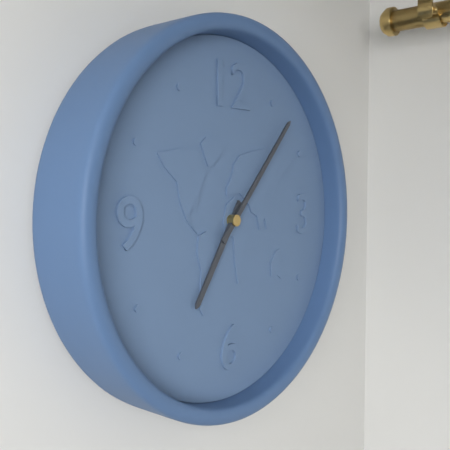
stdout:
**7:07**
